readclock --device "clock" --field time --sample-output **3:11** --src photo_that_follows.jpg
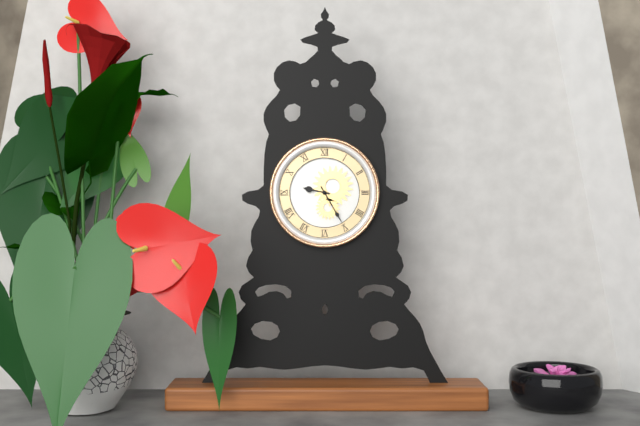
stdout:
**9:25**
